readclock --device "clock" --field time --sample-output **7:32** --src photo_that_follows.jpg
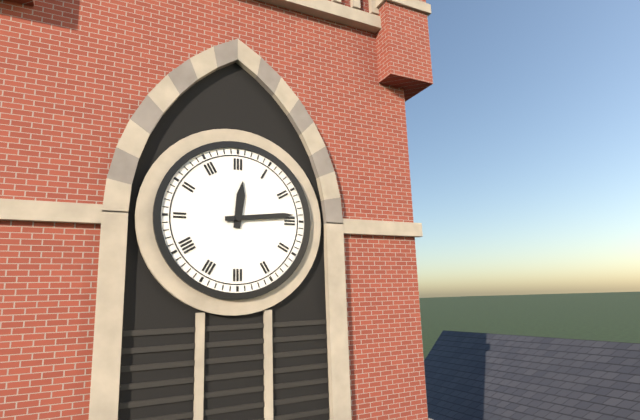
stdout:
**12:14**
